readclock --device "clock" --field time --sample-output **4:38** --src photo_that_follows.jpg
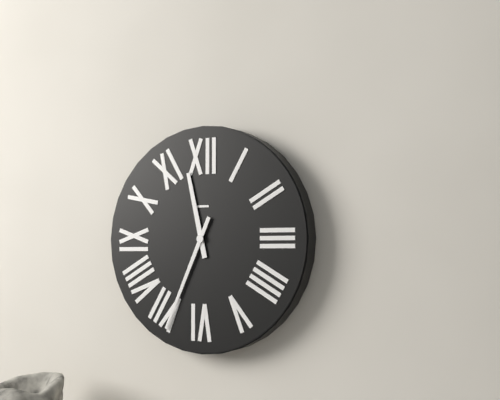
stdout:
**11:34**
